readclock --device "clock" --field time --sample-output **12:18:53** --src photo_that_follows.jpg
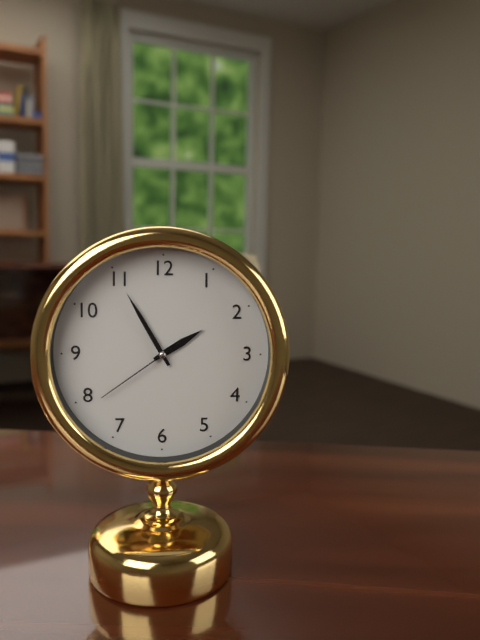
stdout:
**1:55:39**
